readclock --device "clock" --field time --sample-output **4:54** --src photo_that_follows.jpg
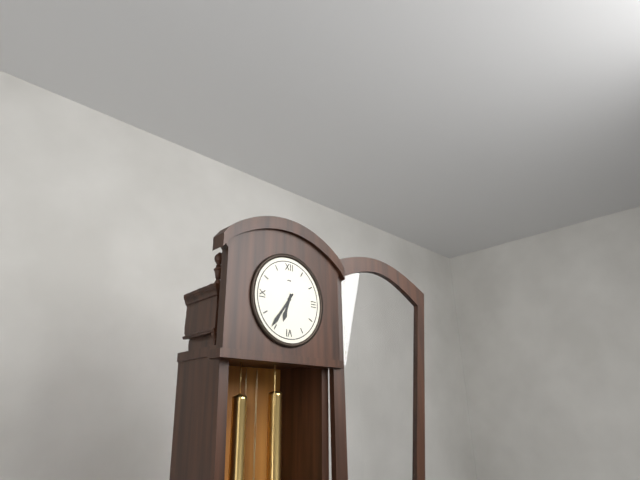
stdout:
**6:36**
